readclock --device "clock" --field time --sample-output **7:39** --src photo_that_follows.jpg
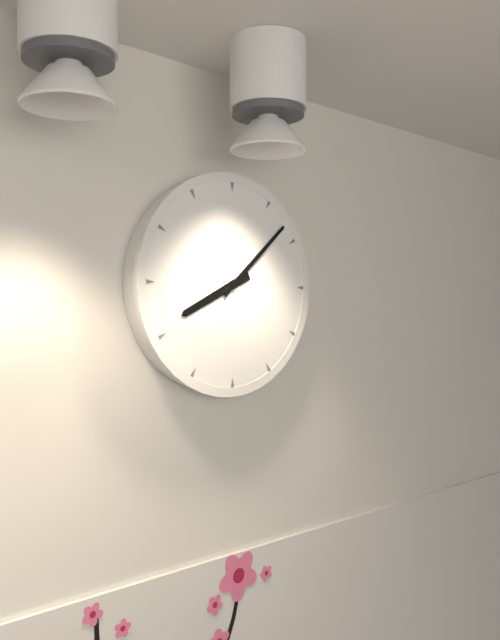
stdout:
**8:08**
